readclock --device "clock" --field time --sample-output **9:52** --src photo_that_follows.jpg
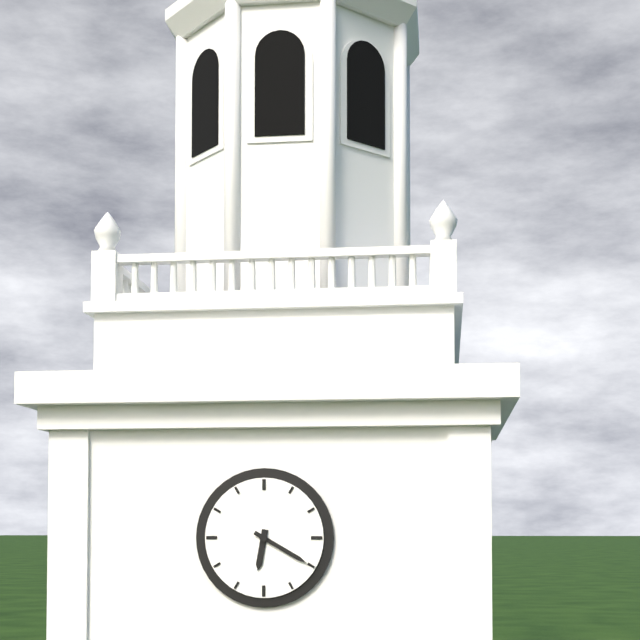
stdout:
**6:20**
